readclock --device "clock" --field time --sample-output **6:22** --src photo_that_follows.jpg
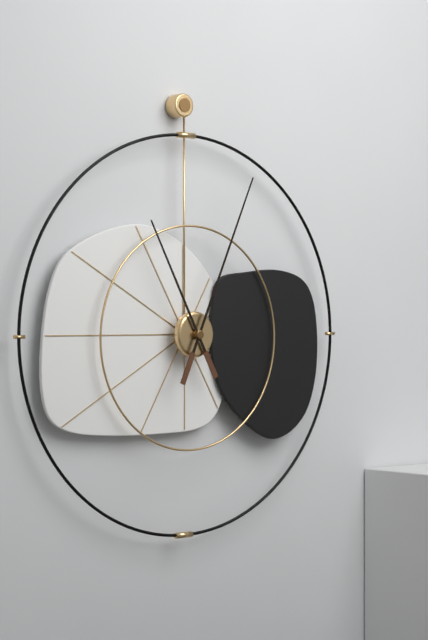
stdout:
**11:04**
